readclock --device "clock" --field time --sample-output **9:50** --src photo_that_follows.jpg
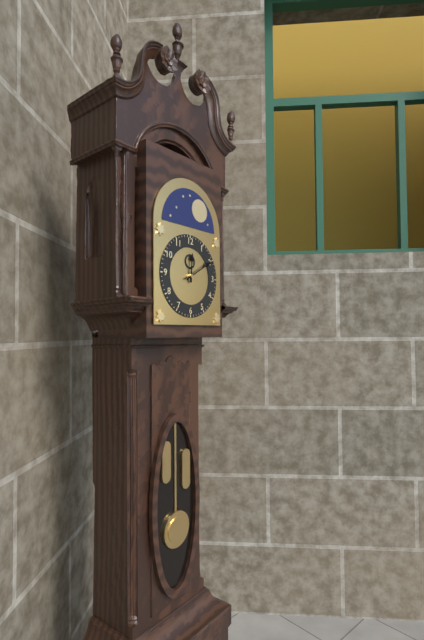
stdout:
**12:10**
